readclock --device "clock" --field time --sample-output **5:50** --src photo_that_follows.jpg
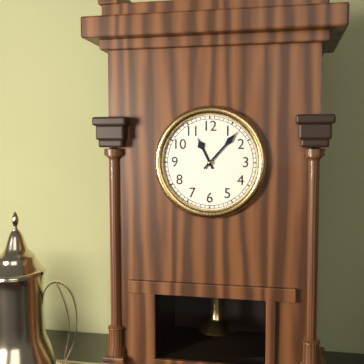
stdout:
**11:07**
